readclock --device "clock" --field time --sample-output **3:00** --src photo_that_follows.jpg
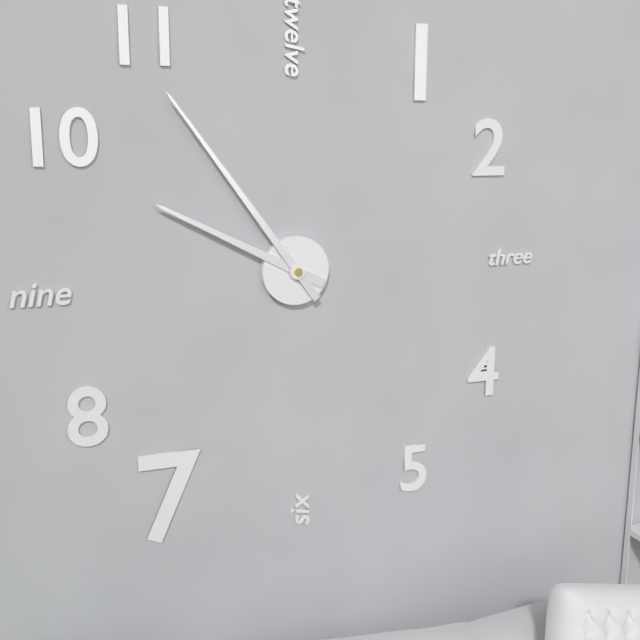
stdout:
**9:54**
